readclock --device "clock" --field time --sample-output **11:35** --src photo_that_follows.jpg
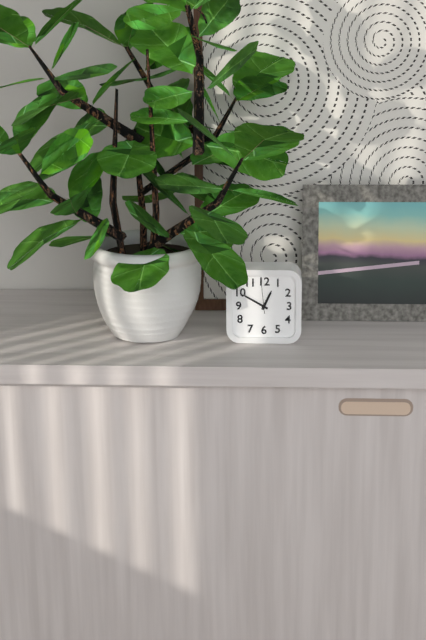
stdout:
**12:50**
